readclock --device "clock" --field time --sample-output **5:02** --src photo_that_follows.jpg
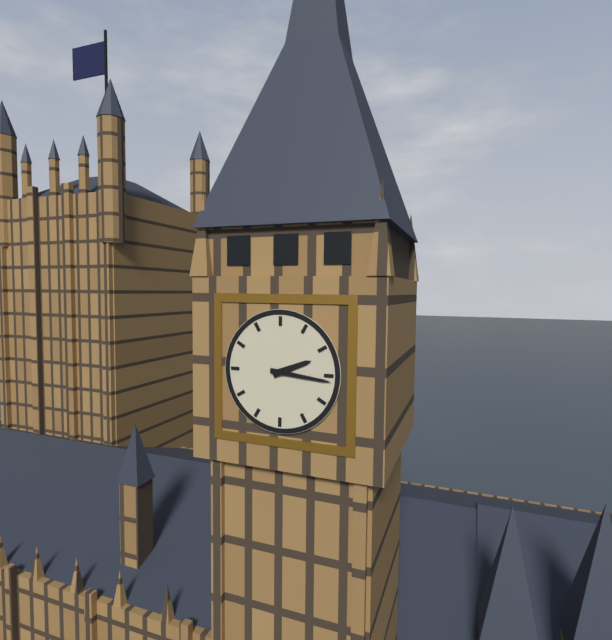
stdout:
**2:16**
